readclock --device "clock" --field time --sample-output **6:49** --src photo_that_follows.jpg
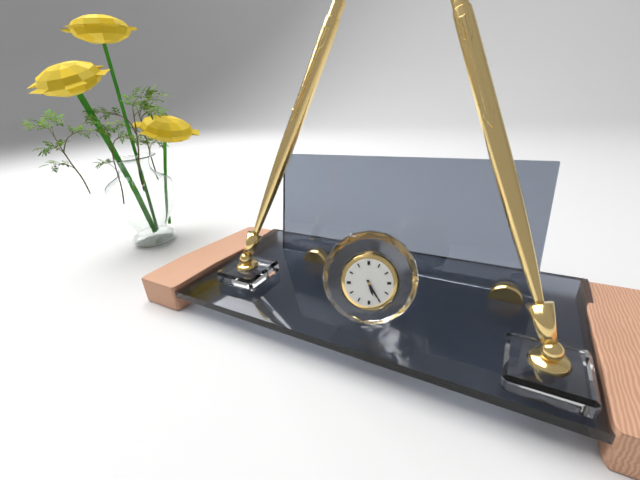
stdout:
**5:25**
